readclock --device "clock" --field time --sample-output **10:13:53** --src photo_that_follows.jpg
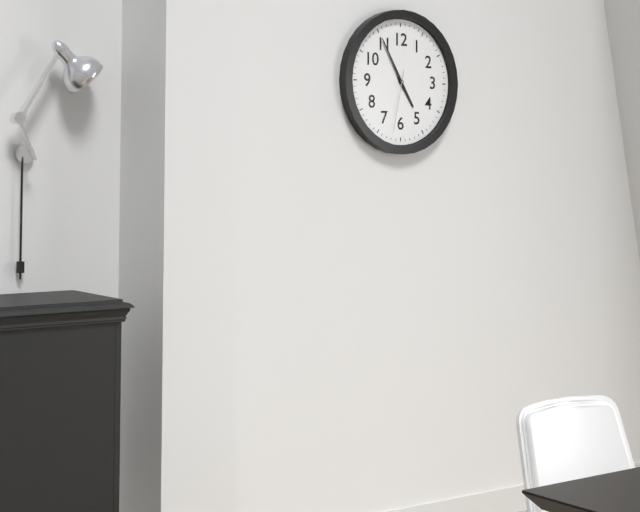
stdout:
**4:55:32**
